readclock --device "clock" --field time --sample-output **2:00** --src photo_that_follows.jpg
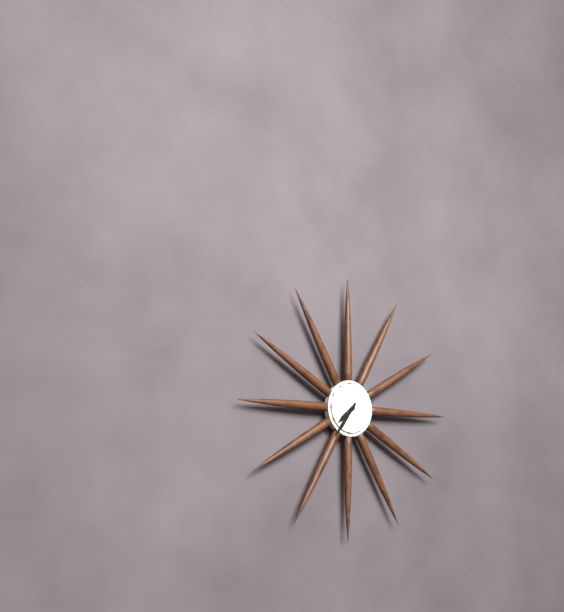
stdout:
**7:36**
